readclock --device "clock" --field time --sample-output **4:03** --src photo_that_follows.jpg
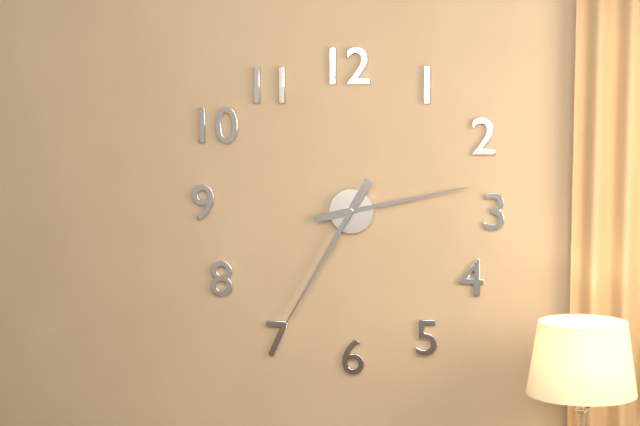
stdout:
**2:35**
